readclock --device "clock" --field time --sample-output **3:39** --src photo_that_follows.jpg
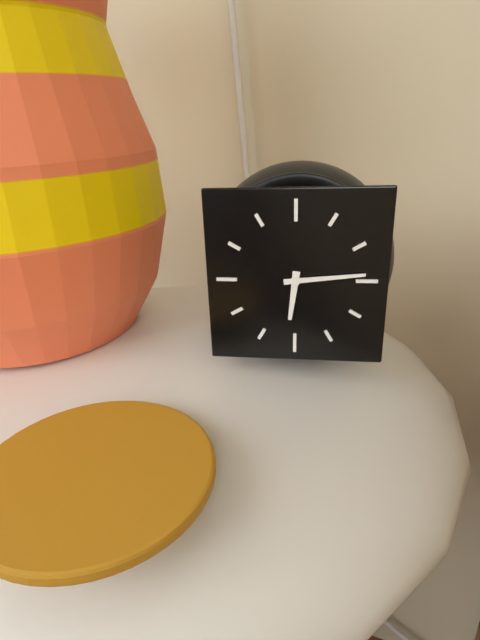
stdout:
**6:14**
